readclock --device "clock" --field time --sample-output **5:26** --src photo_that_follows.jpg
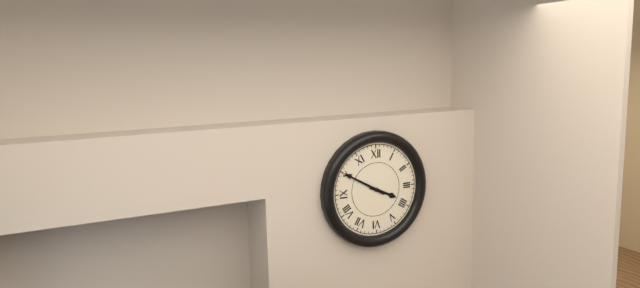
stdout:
**3:50**
